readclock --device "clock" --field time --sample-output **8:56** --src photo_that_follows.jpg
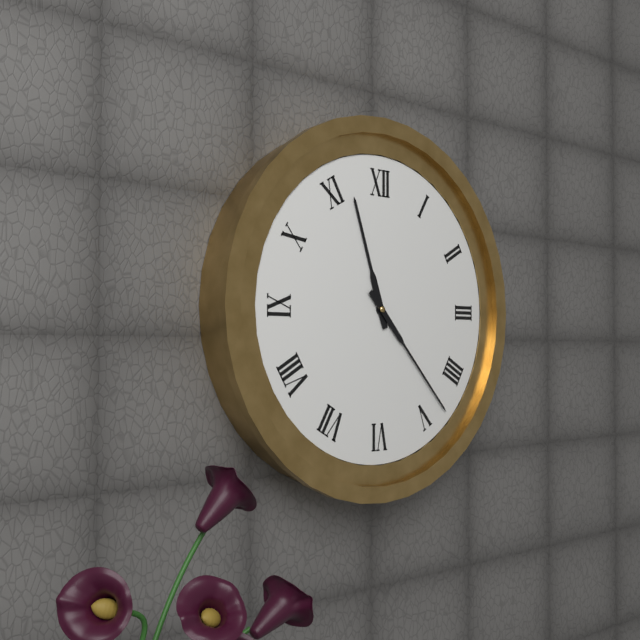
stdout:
**11:23**
